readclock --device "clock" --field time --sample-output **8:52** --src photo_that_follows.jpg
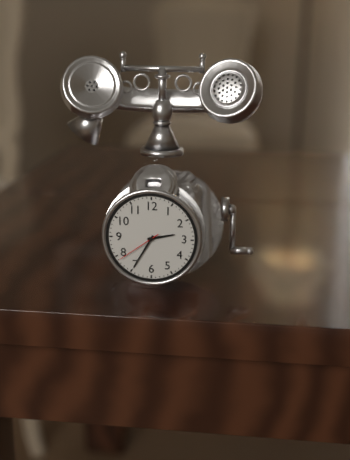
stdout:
**2:35**
